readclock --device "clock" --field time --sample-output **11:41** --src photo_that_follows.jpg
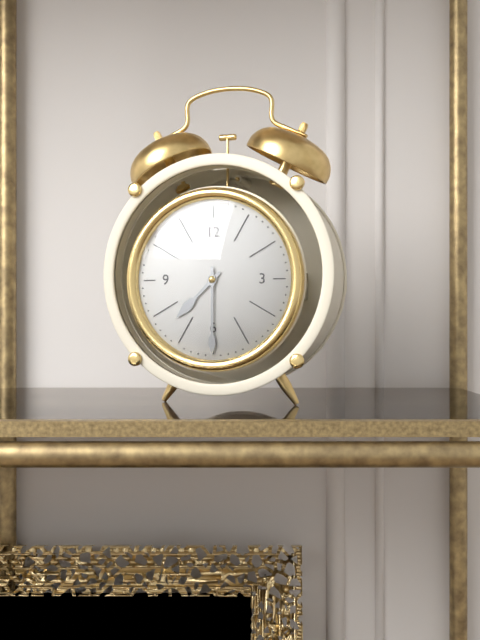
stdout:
**7:30**
